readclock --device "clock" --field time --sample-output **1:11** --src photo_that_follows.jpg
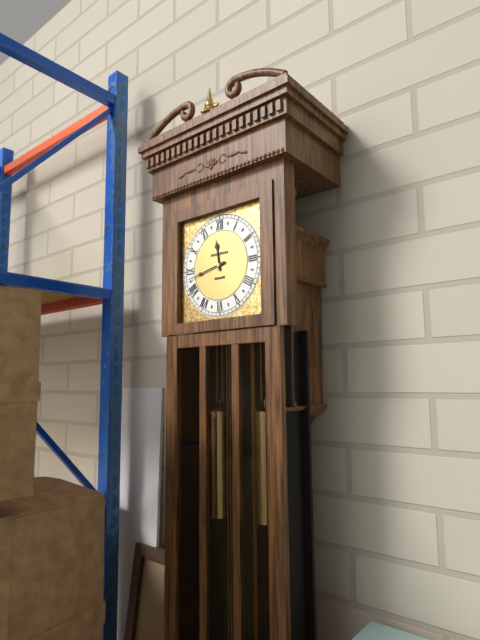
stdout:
**11:43**
